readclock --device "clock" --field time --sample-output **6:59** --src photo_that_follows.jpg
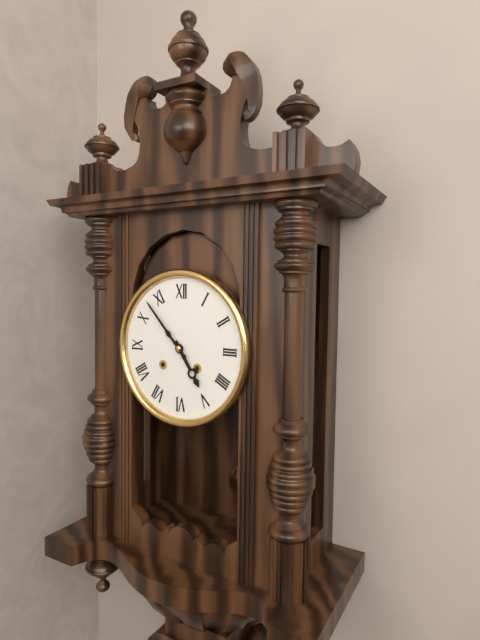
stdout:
**4:53**
